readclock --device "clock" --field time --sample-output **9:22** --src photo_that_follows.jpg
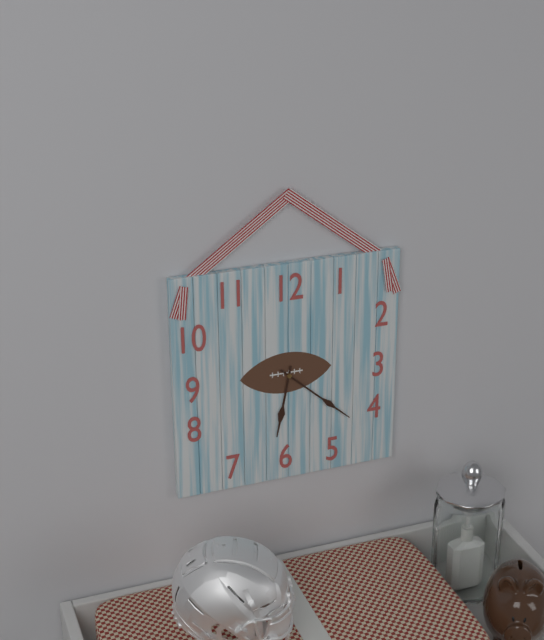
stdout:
**6:22**
